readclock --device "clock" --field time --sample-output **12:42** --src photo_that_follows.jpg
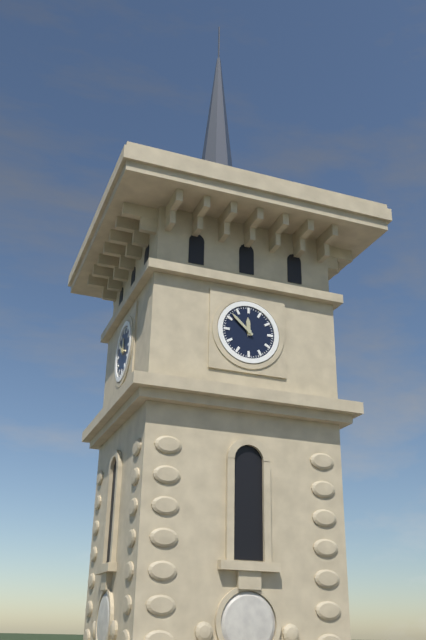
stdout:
**11:52**
